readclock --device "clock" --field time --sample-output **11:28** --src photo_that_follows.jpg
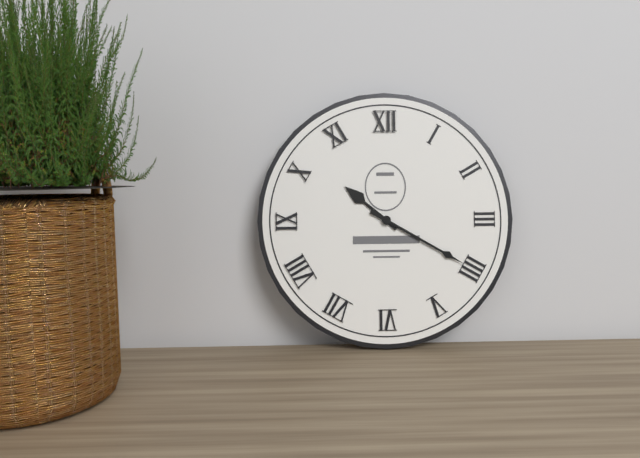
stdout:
**10:20**
